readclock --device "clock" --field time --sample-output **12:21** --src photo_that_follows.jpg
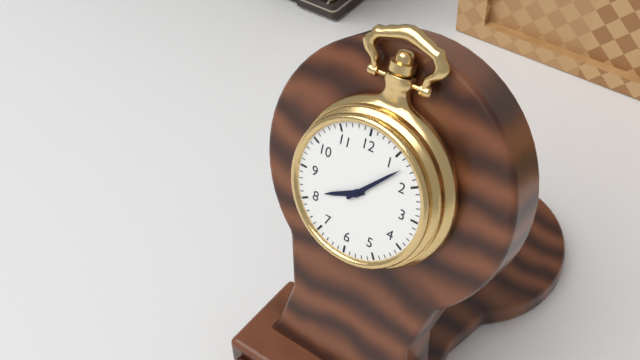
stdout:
**8:07**
